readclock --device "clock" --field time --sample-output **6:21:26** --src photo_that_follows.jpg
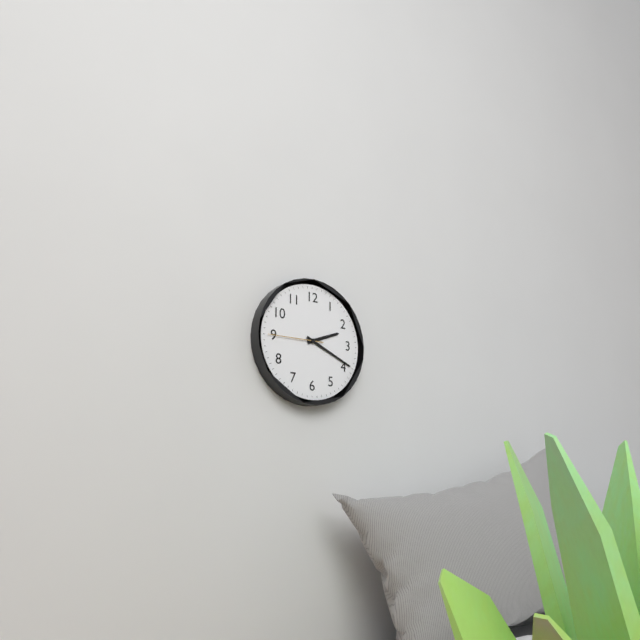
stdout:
**2:19:45**
